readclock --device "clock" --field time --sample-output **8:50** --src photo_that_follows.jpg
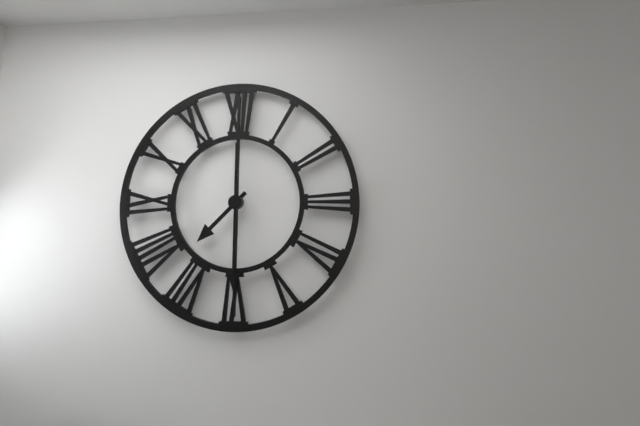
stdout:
**7:30**
